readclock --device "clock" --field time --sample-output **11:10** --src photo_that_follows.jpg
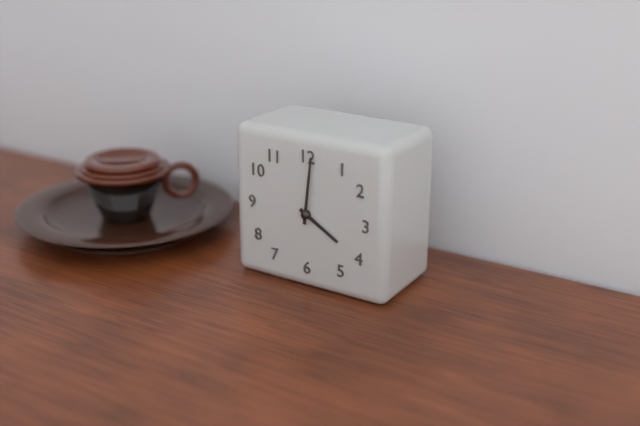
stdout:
**4:01**
